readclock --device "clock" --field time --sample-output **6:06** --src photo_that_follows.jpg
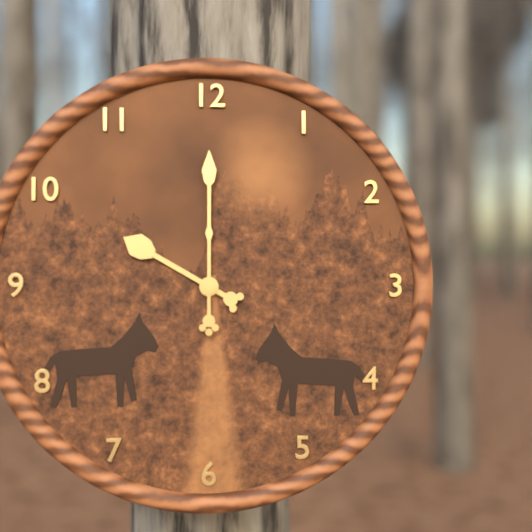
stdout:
**10:00**
